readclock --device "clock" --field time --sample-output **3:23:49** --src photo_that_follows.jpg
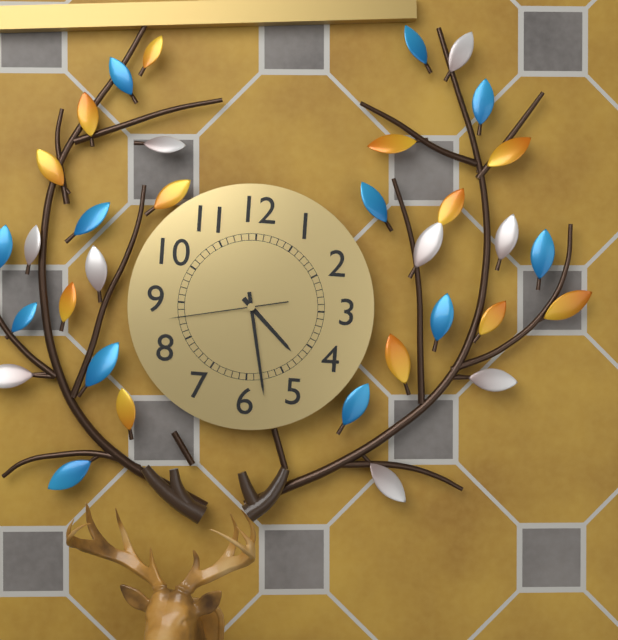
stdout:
**4:28:43**
